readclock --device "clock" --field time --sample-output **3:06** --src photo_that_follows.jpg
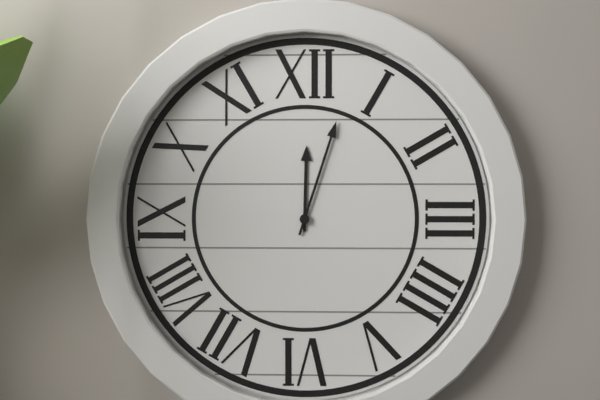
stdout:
**12:03**
